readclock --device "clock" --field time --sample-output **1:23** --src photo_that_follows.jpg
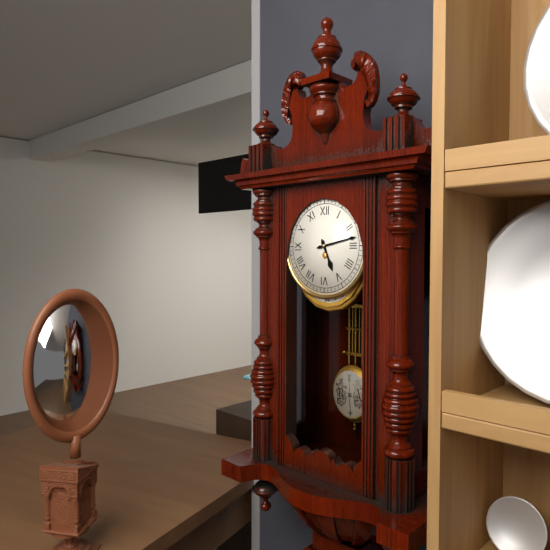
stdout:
**5:13**
